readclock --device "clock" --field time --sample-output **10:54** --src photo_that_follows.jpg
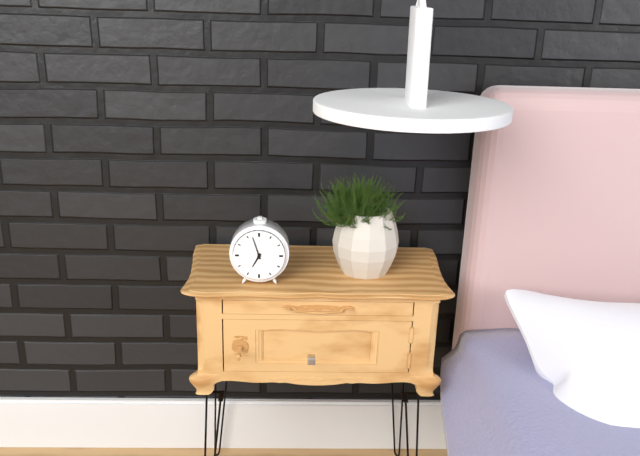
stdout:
**6:57**
